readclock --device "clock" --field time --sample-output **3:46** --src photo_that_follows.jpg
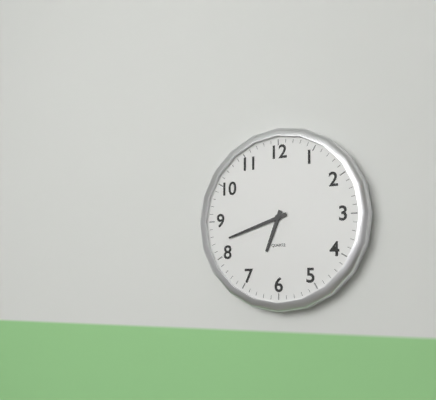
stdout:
**6:42**
